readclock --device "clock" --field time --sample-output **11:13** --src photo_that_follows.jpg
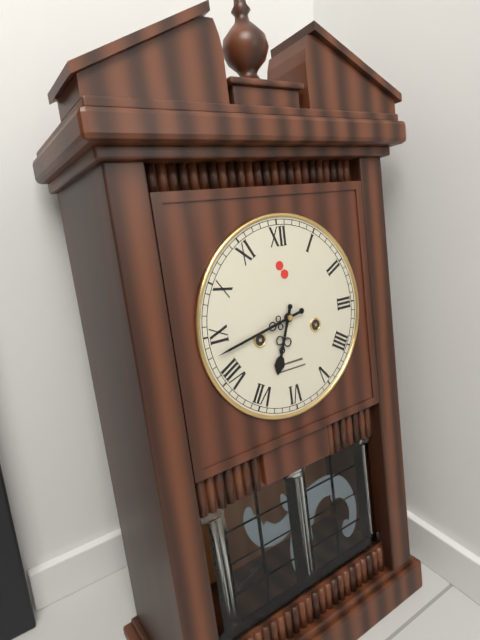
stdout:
**6:43**
